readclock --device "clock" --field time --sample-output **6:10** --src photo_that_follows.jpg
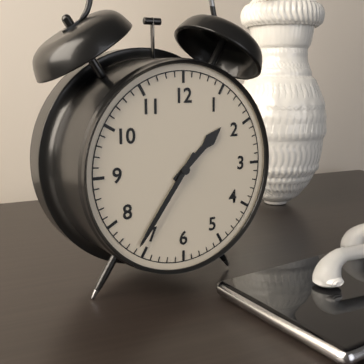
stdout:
**1:36**
